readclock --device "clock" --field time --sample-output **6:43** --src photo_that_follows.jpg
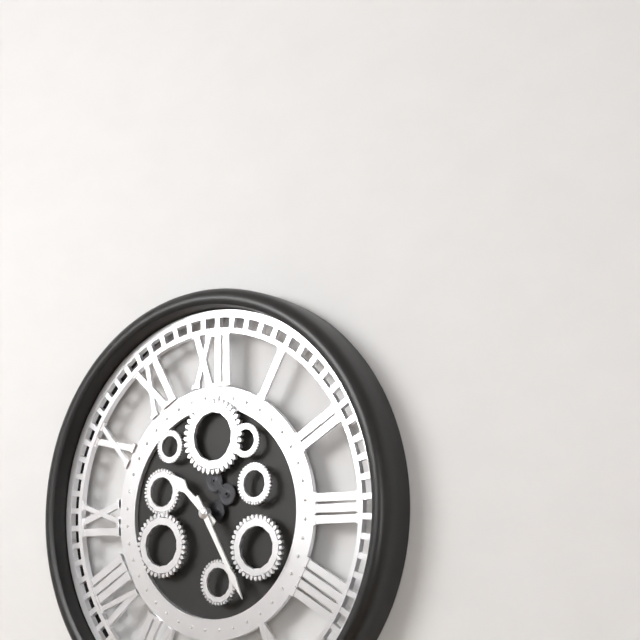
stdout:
**10:25**
